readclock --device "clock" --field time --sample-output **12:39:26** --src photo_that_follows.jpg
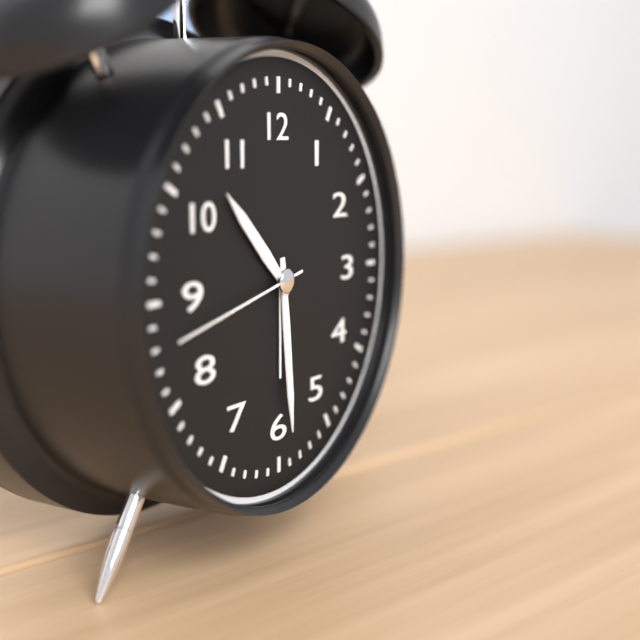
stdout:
**10:29:43**
